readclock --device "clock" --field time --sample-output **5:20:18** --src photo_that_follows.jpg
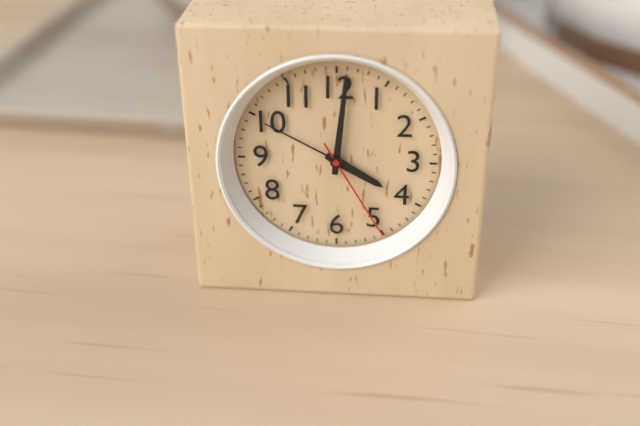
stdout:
**4:01:25**
